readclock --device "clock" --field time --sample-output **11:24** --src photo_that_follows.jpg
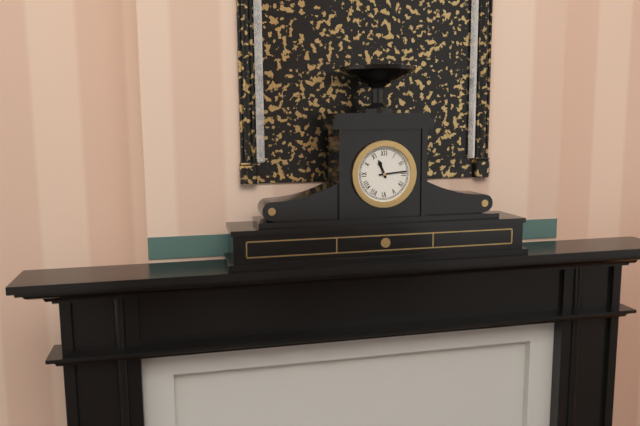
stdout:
**11:14**
